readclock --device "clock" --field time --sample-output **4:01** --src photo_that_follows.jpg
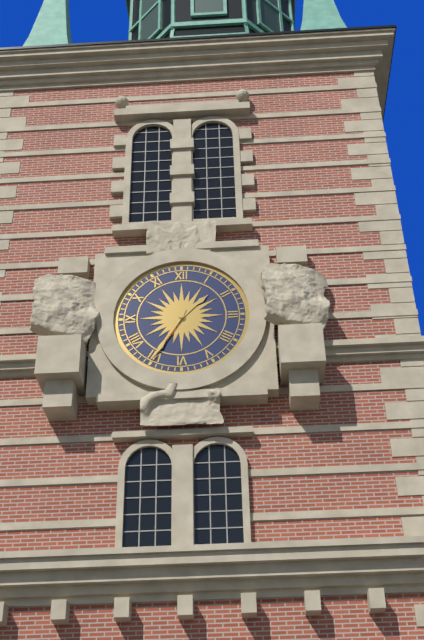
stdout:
**1:35**
